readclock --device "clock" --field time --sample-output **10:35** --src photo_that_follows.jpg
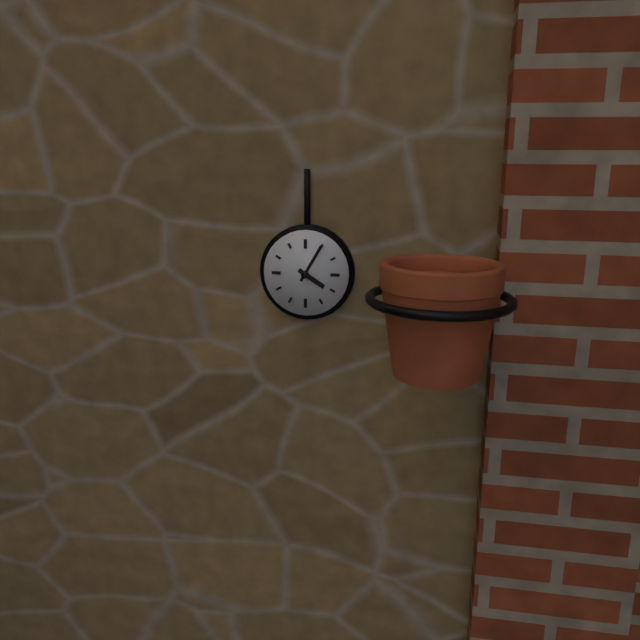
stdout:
**4:05**
